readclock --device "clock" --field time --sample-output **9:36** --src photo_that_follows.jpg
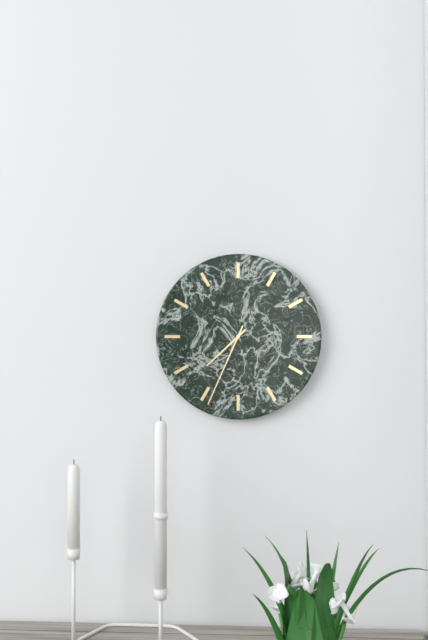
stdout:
**7:34**
